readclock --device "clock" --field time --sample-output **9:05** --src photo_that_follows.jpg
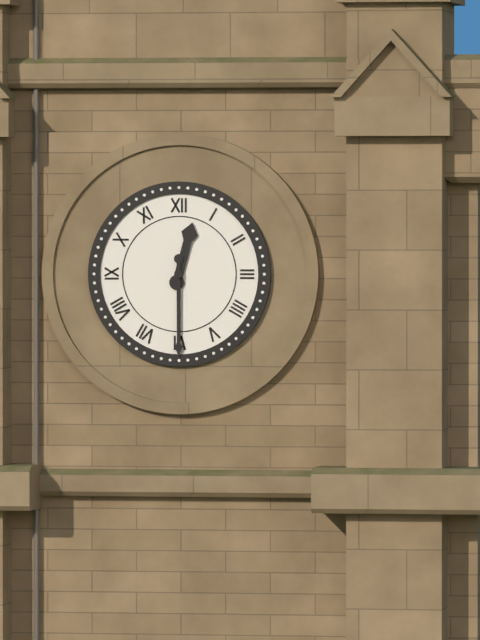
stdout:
**12:30**
